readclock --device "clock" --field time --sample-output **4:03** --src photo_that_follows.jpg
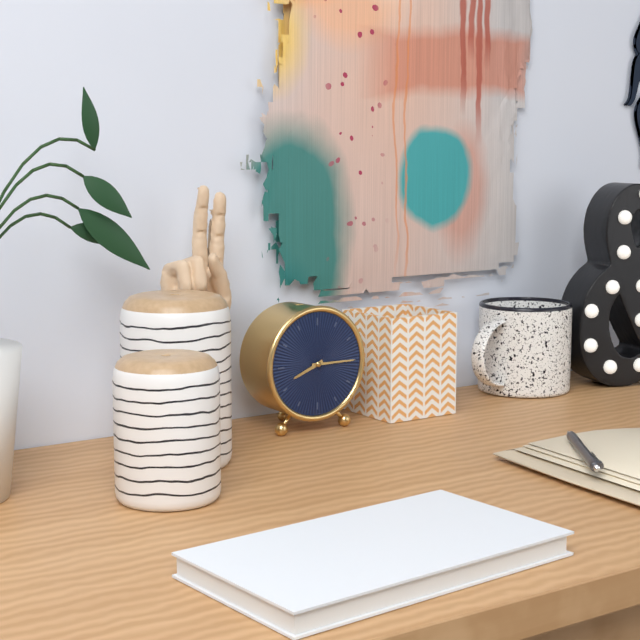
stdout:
**8:15**
